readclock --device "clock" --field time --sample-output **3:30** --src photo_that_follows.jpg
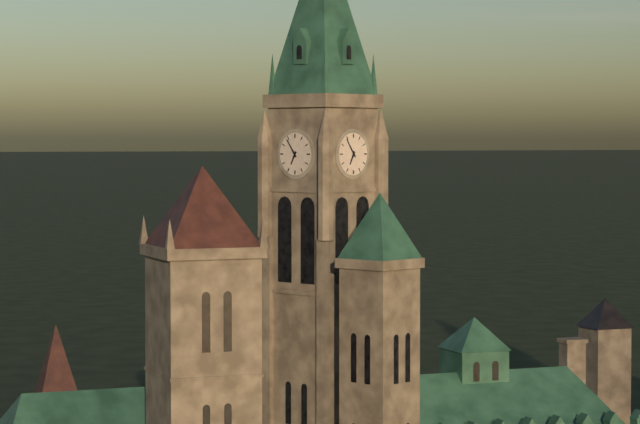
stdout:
**6:54**
